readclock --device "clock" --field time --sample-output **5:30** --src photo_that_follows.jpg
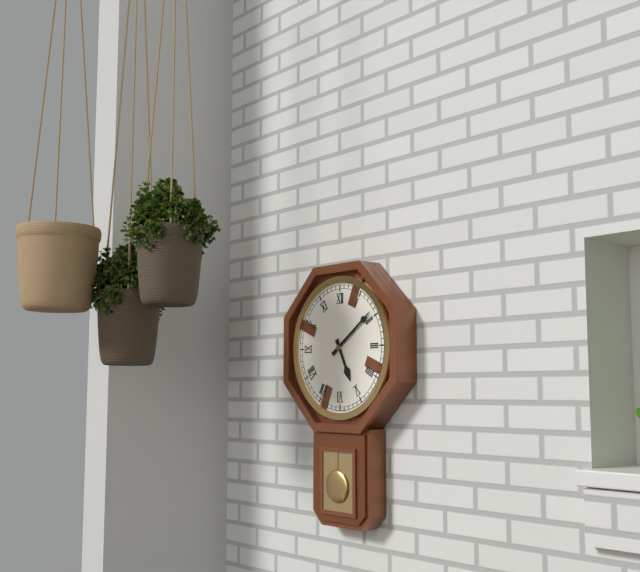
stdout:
**5:09**
